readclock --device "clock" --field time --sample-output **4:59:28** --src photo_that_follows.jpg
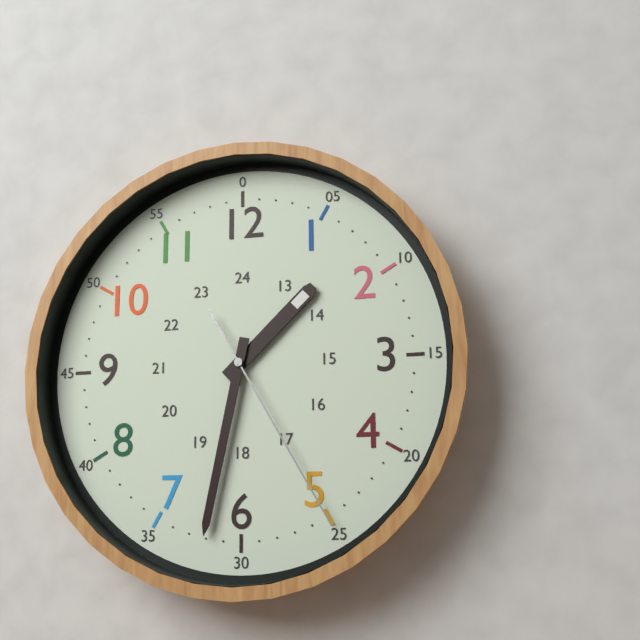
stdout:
**1:32:25**
